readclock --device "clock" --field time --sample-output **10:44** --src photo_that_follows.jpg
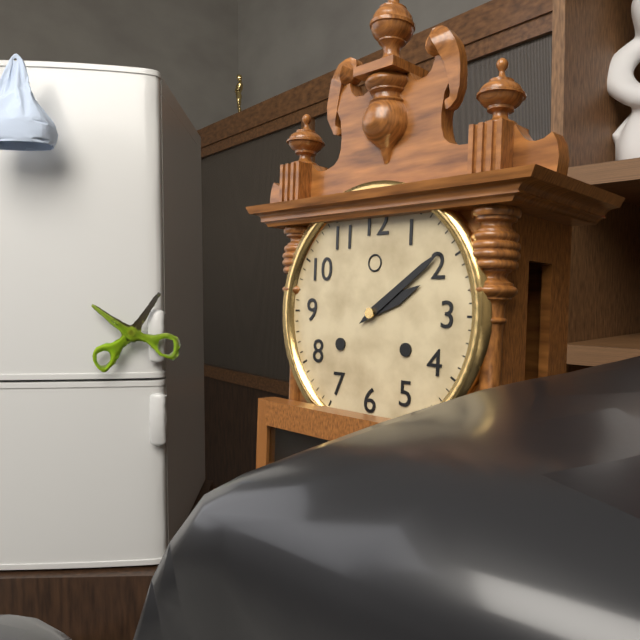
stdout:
**2:09**
